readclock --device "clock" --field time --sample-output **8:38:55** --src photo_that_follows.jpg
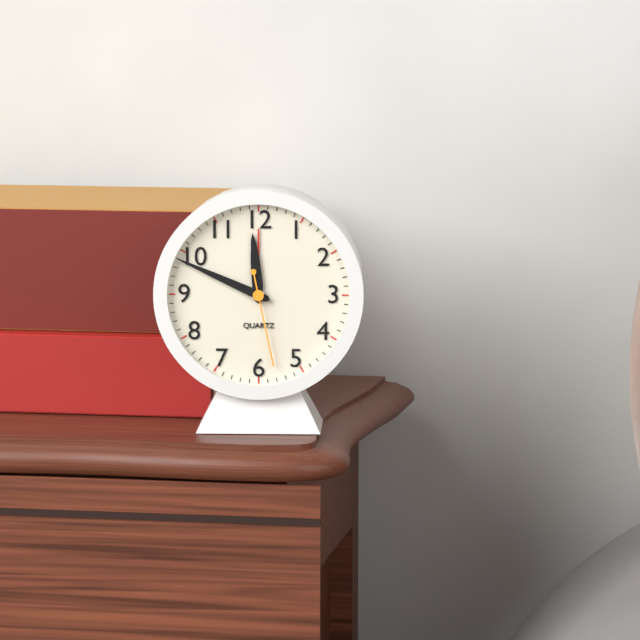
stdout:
**11:49:28**
